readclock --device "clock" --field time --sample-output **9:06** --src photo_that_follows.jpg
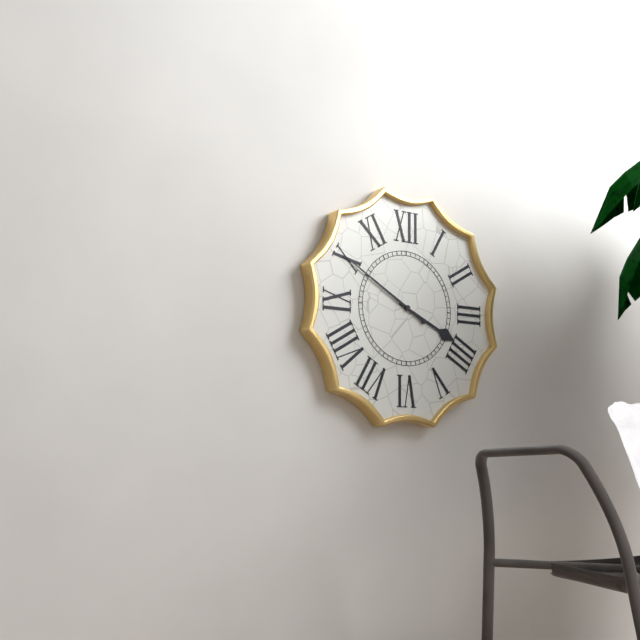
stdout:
**3:50**
